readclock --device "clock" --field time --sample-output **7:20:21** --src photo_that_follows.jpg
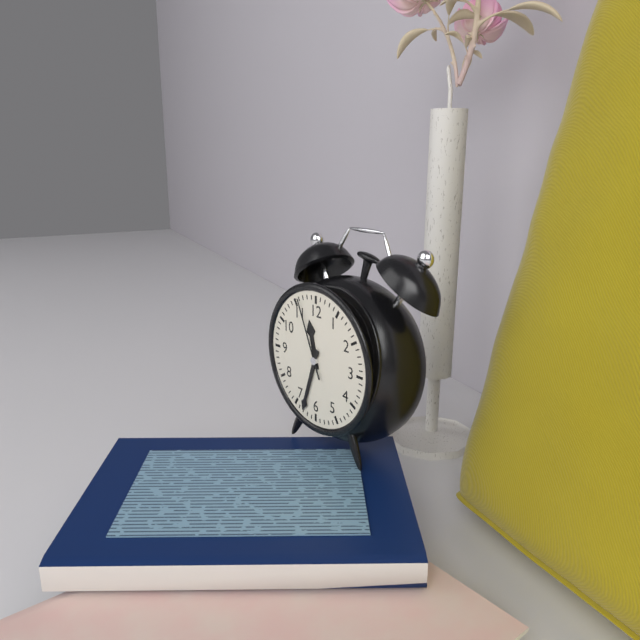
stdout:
**11:33:56**
